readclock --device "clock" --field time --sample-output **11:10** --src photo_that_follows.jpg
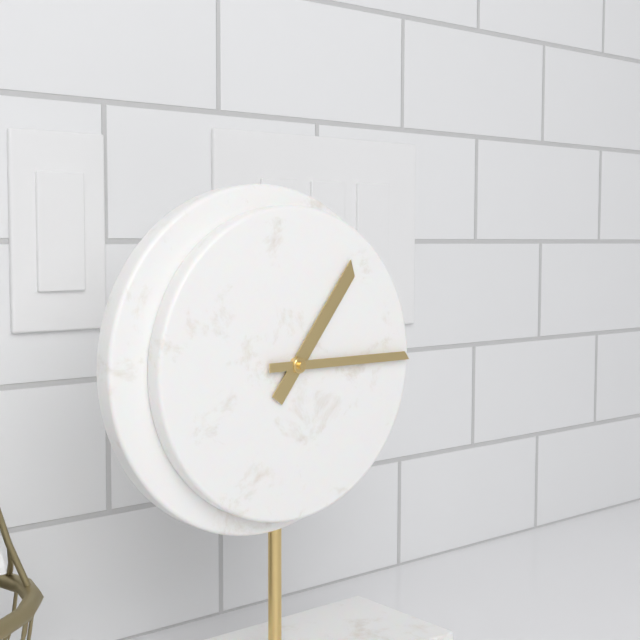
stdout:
**1:15**
